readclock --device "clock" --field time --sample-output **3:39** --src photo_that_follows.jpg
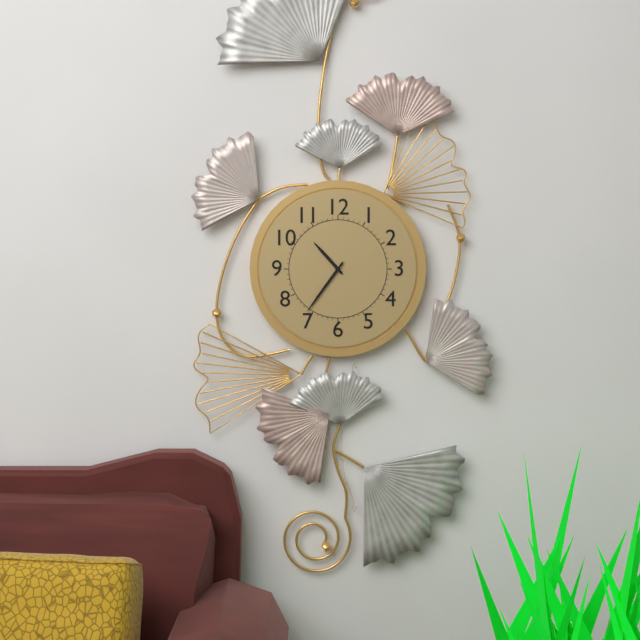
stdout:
**10:36**
